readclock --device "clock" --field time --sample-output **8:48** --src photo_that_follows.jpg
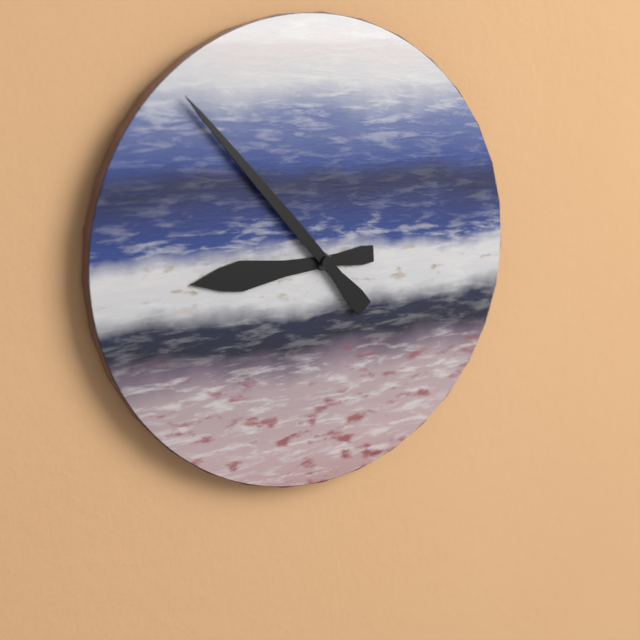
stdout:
**8:53**
